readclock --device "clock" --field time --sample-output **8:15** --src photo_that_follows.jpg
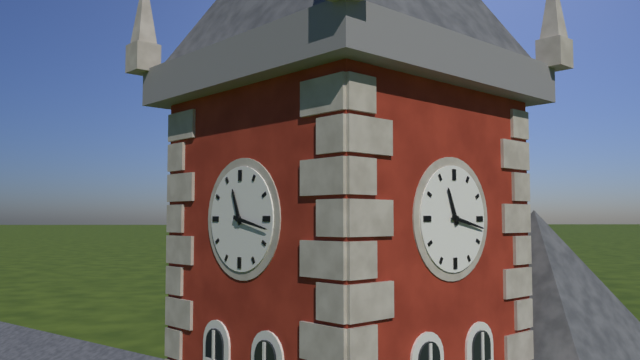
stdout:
**11:17**
